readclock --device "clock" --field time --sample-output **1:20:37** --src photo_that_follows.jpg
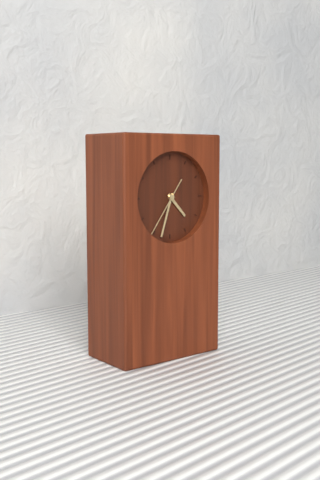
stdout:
**4:33:36**
